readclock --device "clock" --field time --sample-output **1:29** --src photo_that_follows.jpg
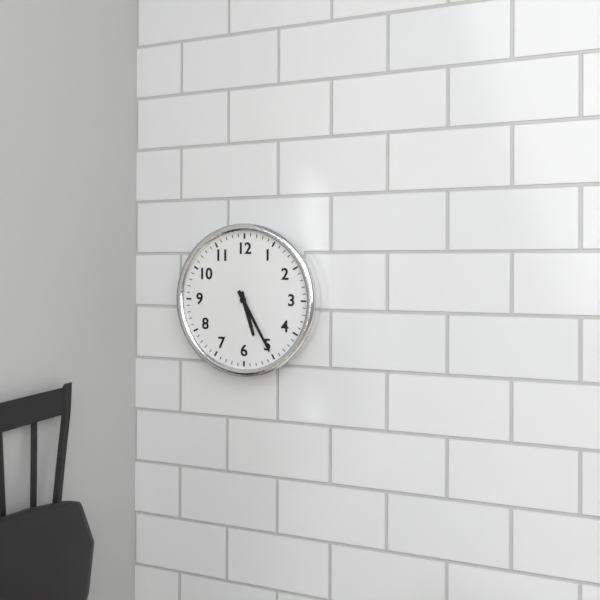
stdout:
**5:25**
